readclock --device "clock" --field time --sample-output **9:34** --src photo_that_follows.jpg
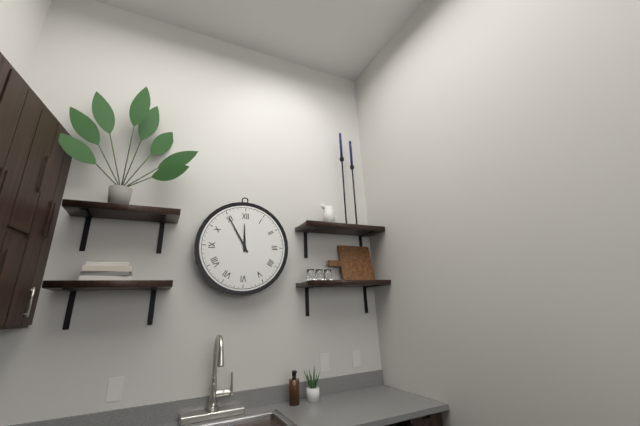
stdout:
**11:55**
